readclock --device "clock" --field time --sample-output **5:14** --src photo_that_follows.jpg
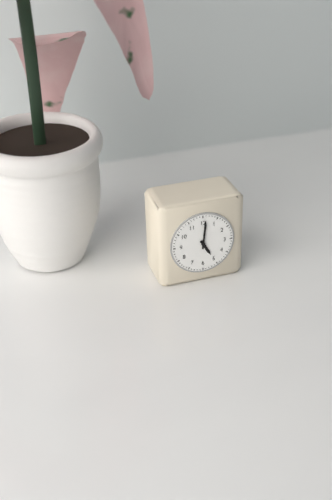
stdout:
**5:01**
